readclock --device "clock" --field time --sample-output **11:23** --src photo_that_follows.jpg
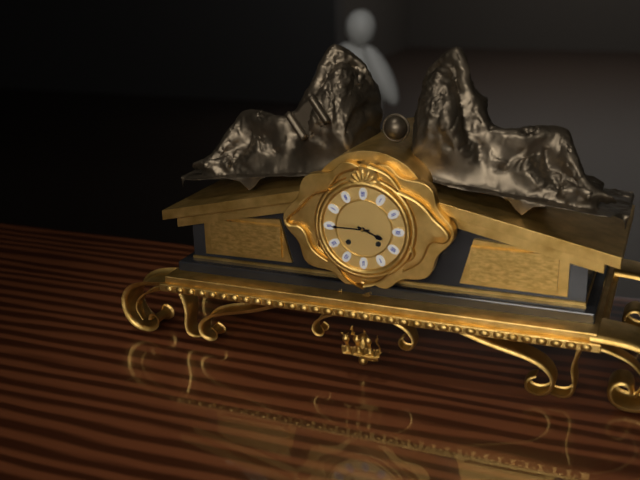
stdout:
**3:45**
